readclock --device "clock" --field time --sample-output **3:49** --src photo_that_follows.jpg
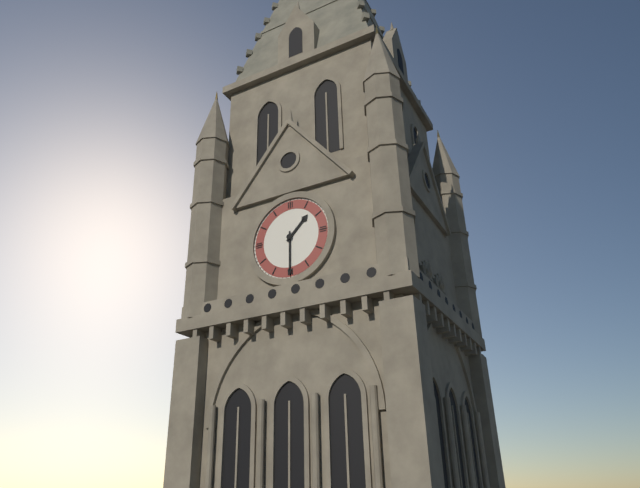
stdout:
**1:30**
